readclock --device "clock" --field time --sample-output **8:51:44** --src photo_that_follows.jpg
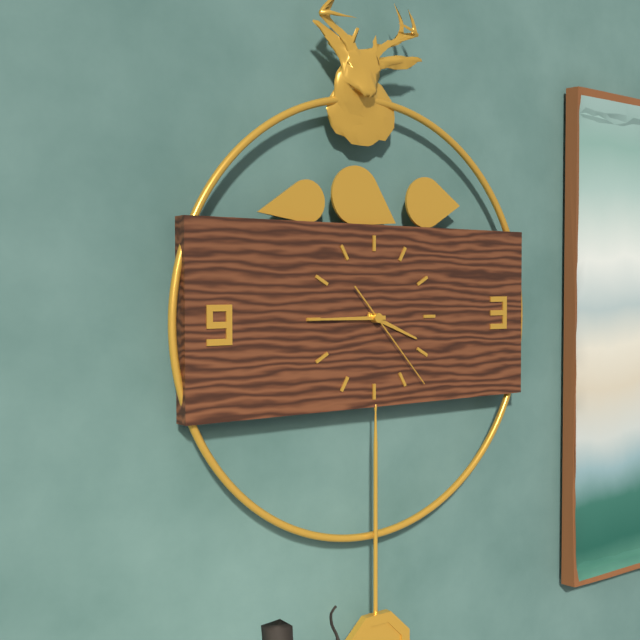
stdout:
**3:45:23**
